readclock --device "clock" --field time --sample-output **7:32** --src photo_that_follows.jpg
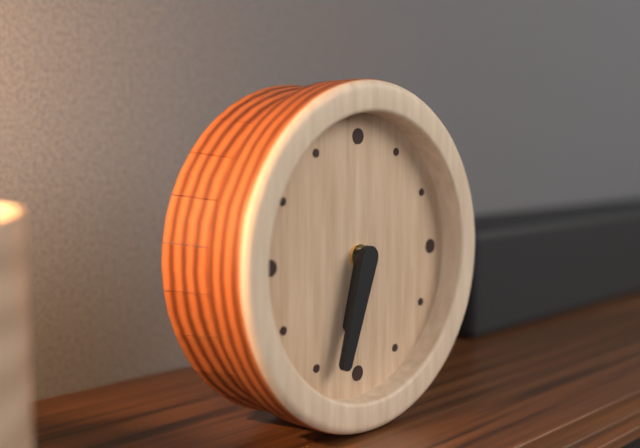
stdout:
**6:33**
